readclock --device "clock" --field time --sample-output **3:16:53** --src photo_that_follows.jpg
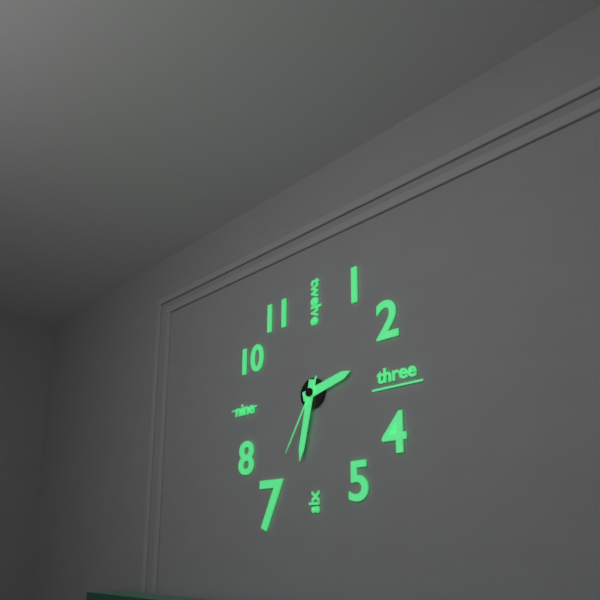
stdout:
**2:32:35**
